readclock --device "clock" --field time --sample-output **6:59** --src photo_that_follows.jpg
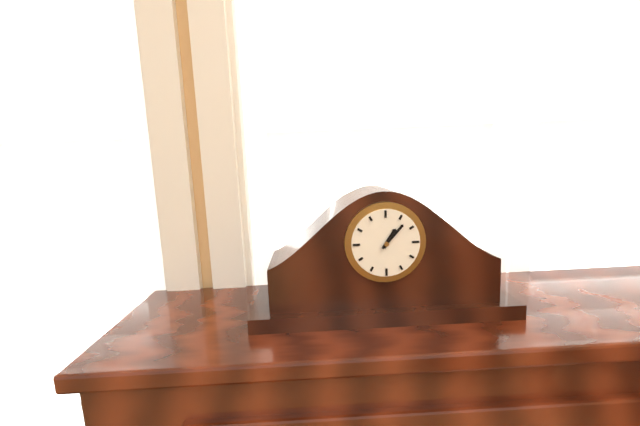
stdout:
**1:07**
